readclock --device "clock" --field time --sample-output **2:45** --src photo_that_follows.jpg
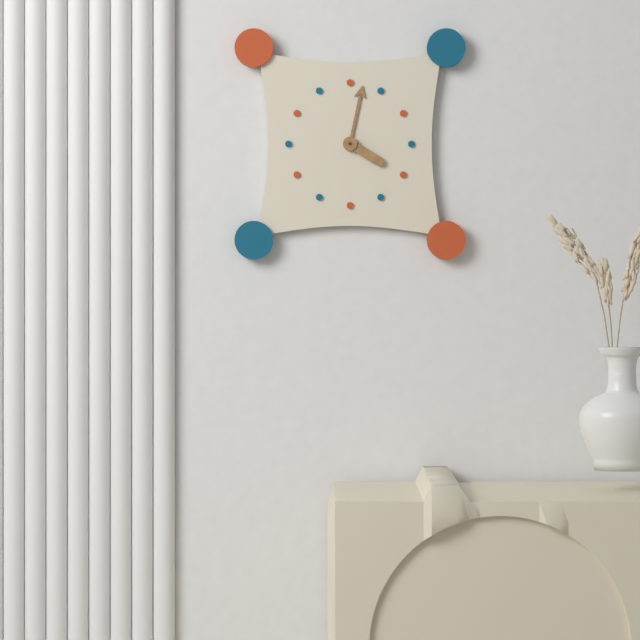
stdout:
**4:02**
